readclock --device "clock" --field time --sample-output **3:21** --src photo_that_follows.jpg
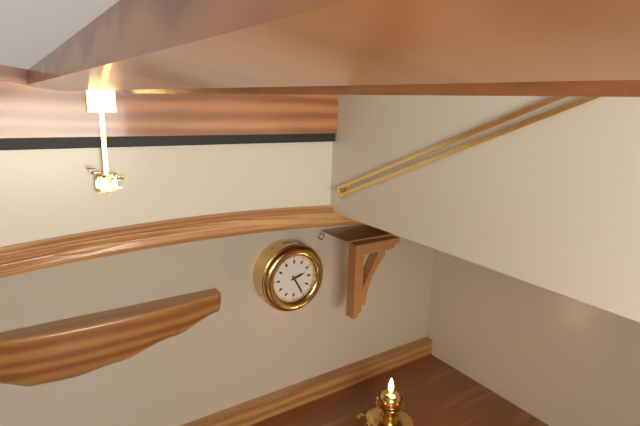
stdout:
**2:25**
